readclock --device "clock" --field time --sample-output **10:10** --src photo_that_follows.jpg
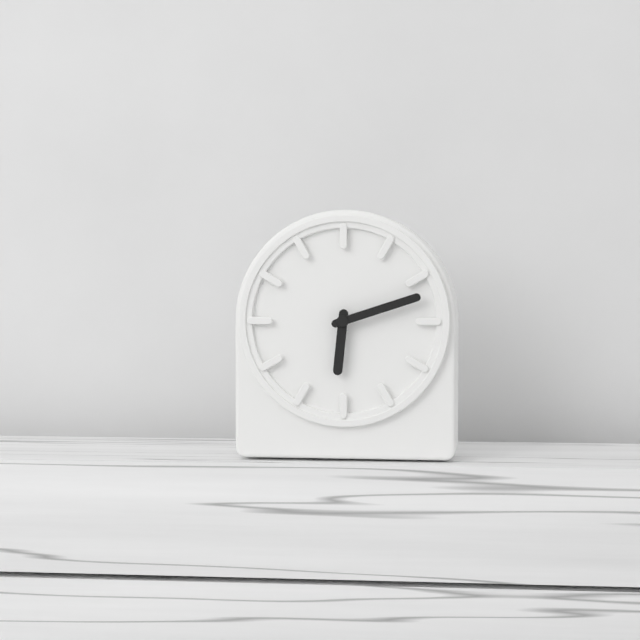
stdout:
**6:12**
